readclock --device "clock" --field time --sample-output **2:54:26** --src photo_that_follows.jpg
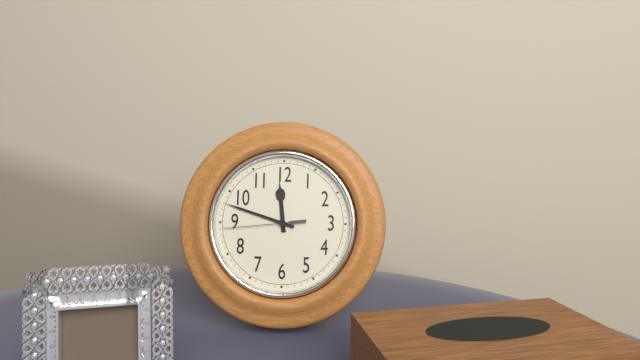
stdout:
**11:48:44**
